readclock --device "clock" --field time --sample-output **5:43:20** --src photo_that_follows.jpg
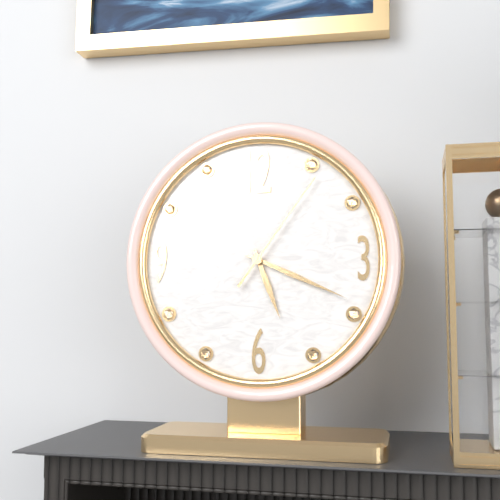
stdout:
**5:19:06**
